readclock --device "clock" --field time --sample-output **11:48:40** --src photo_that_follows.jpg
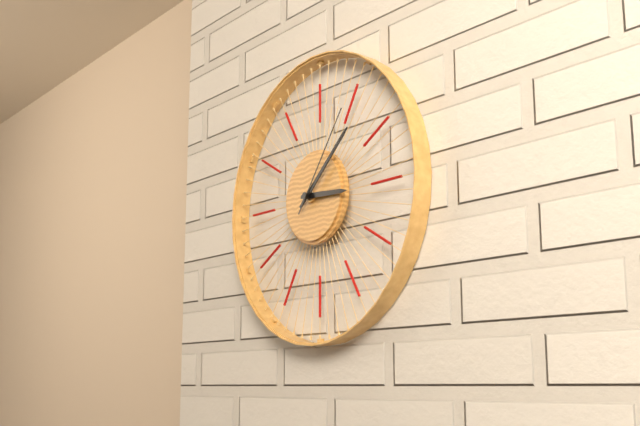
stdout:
**3:08:06**
